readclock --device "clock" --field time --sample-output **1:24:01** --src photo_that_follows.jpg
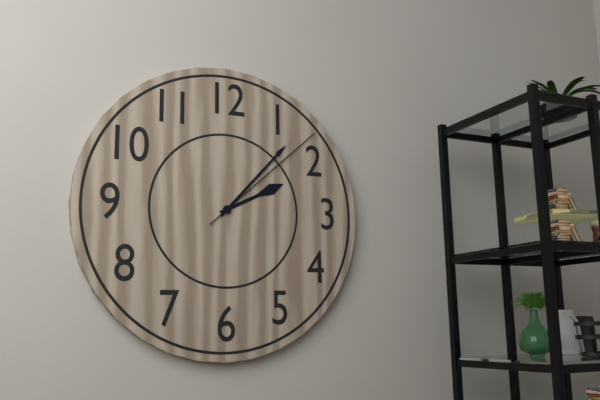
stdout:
**2:07:08**
